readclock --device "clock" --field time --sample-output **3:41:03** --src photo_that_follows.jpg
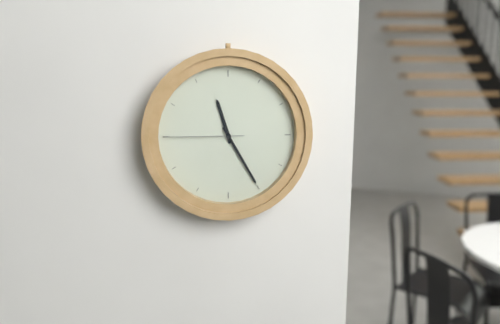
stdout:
**11:25:45**
